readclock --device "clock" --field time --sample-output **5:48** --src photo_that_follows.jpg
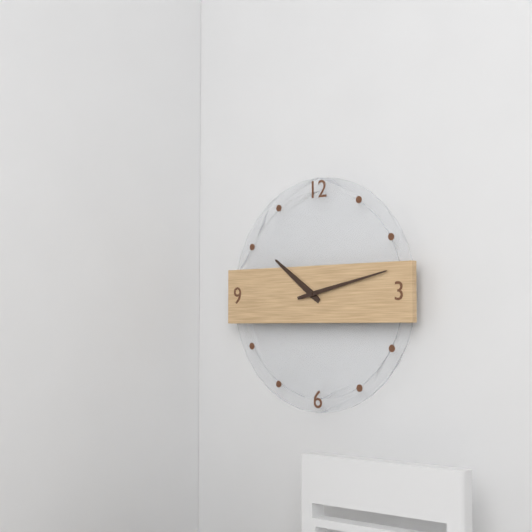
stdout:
**10:13**
